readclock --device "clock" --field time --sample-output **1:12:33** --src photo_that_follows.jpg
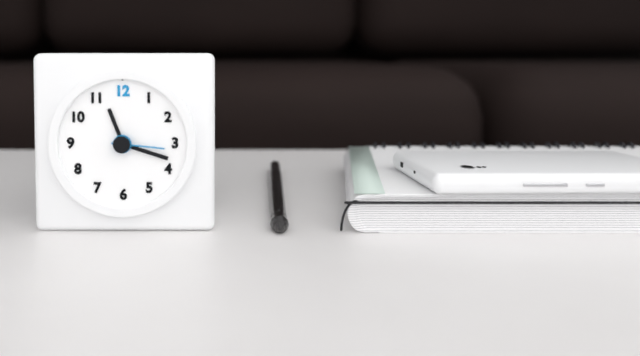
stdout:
**11:18:16**
